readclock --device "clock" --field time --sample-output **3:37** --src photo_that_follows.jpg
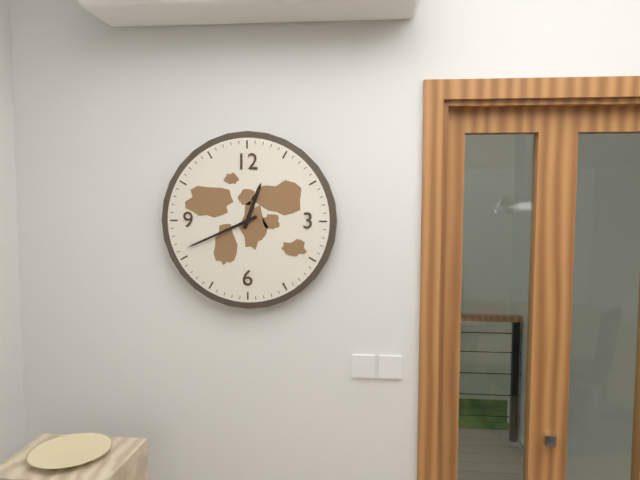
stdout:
**12:41**
